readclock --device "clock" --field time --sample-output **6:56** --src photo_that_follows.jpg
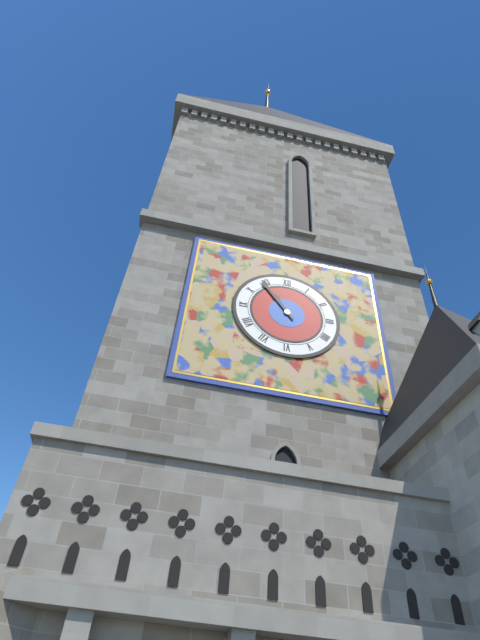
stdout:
**10:54**
